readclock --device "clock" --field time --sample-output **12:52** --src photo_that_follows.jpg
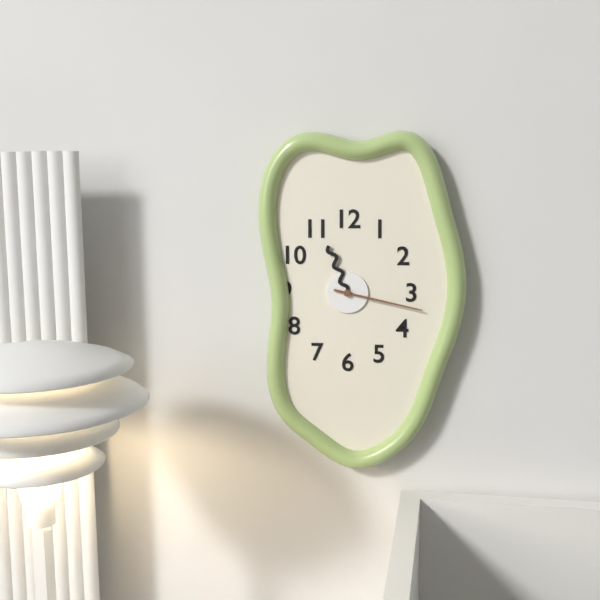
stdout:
**11:17**
